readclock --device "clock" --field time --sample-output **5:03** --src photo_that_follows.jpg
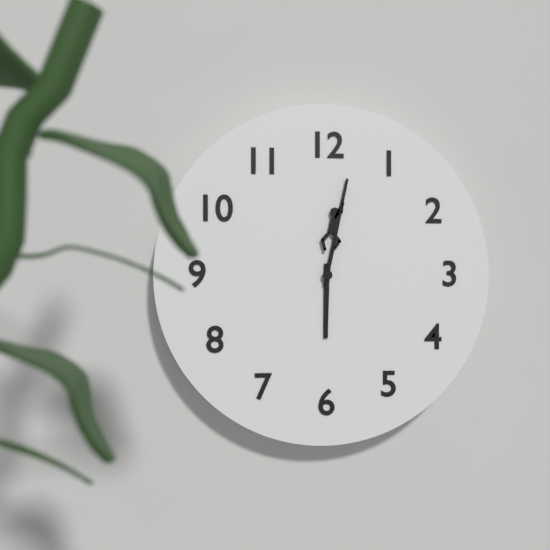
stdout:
**6:02**
